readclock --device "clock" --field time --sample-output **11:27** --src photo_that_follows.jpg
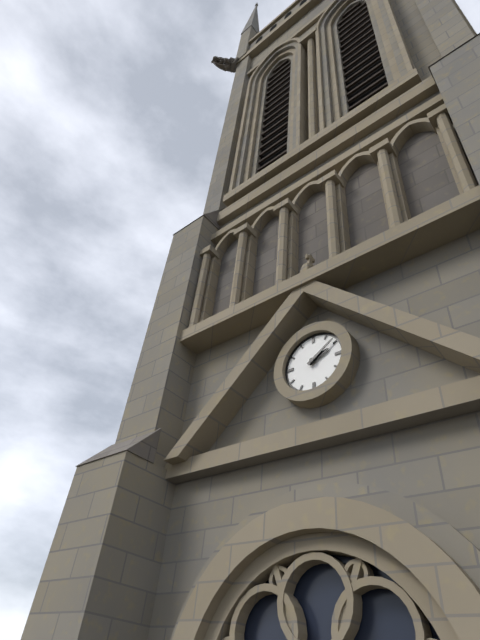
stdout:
**2:09**
